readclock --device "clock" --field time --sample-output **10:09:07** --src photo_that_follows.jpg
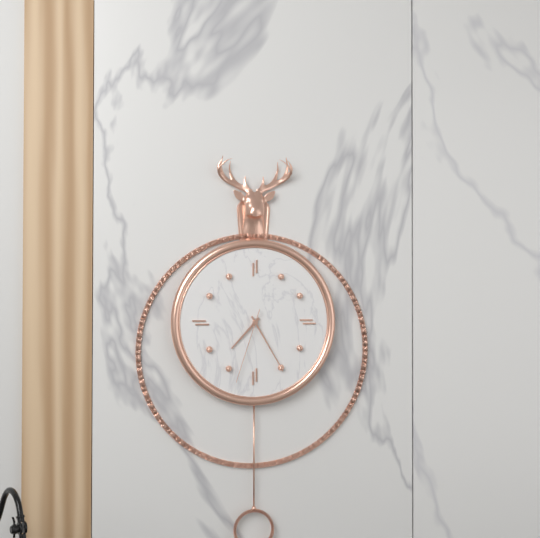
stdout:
**7:25:33**
